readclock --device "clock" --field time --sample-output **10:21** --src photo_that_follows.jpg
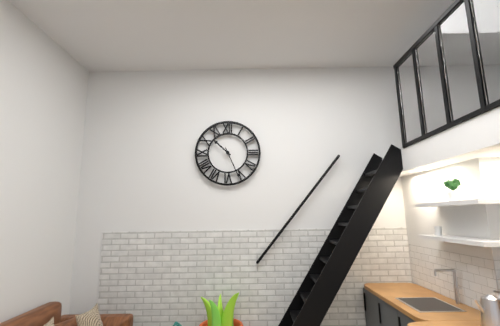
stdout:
**10:26**
